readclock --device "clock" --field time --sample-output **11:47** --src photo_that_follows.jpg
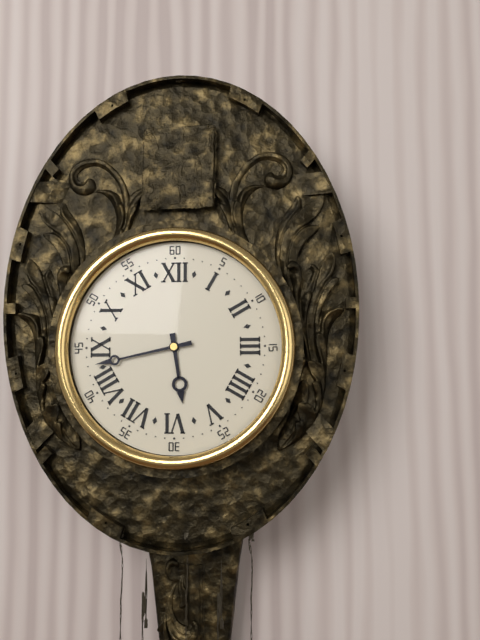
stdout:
**5:43**
